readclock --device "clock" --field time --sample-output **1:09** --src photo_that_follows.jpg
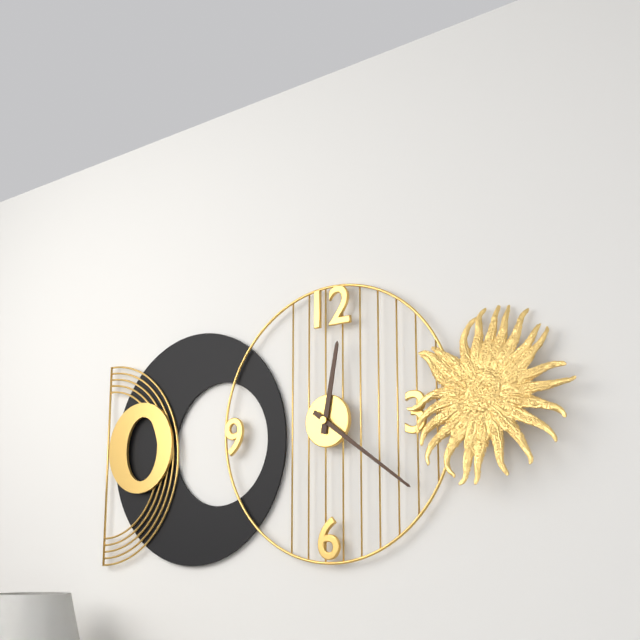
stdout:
**12:21**
